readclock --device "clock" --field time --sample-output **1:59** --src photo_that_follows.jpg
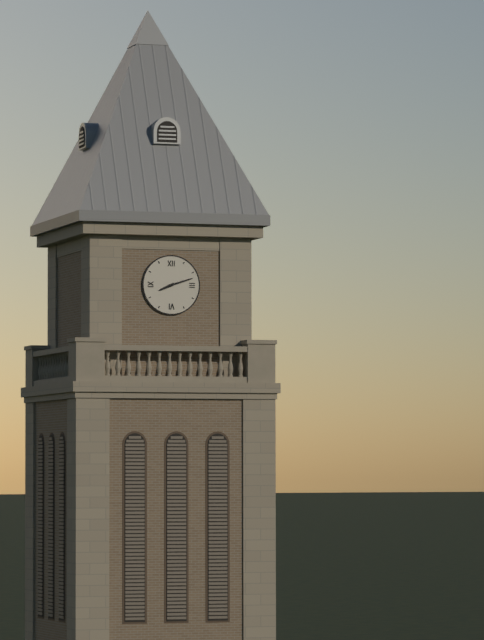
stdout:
**8:12**
